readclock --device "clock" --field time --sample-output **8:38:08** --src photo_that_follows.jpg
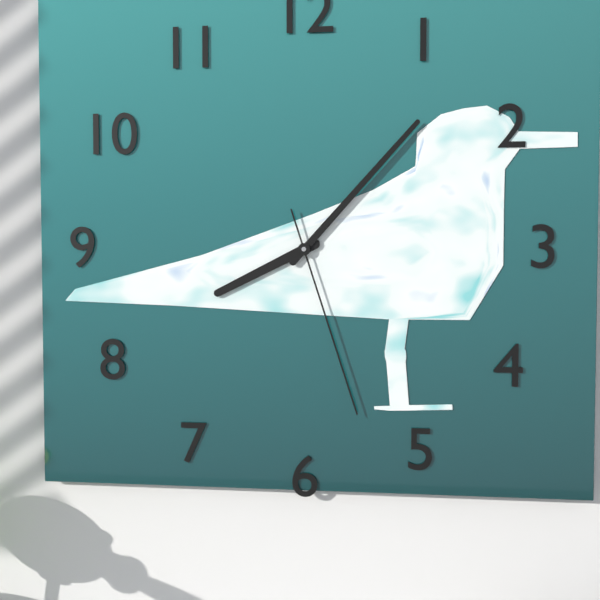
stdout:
**8:07:27**
